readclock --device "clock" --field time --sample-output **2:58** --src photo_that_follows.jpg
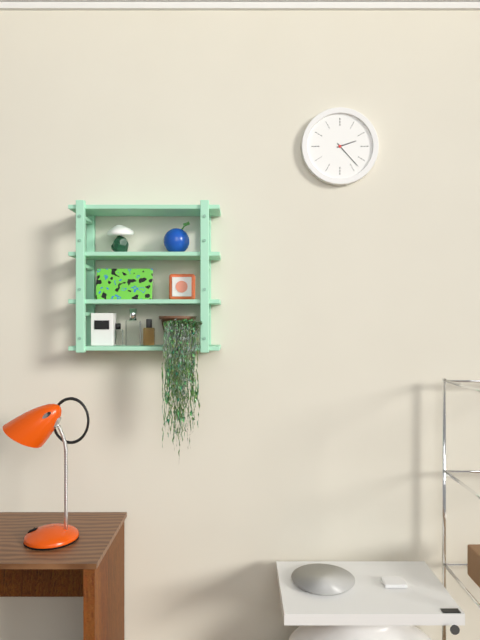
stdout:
**2:23**
